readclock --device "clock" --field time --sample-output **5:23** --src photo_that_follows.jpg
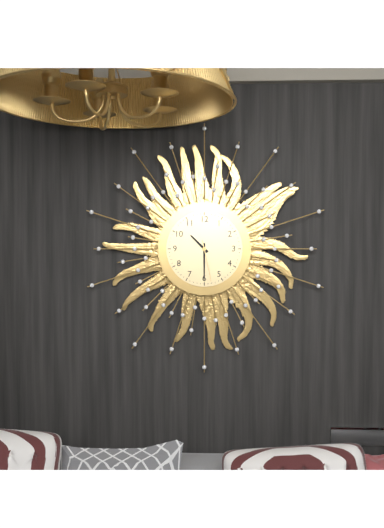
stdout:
**10:30**
